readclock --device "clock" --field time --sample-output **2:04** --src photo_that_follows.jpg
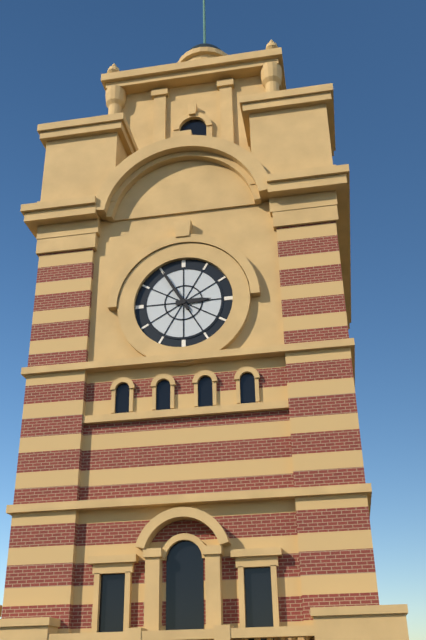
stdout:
**2:55**
